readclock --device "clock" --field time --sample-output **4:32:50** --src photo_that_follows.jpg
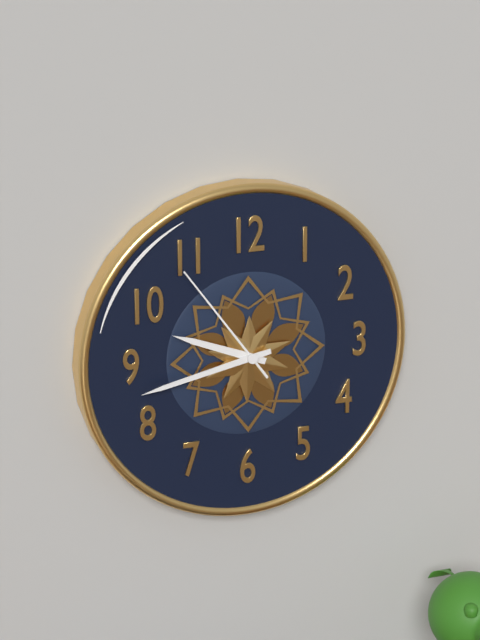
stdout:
**9:43:54**
